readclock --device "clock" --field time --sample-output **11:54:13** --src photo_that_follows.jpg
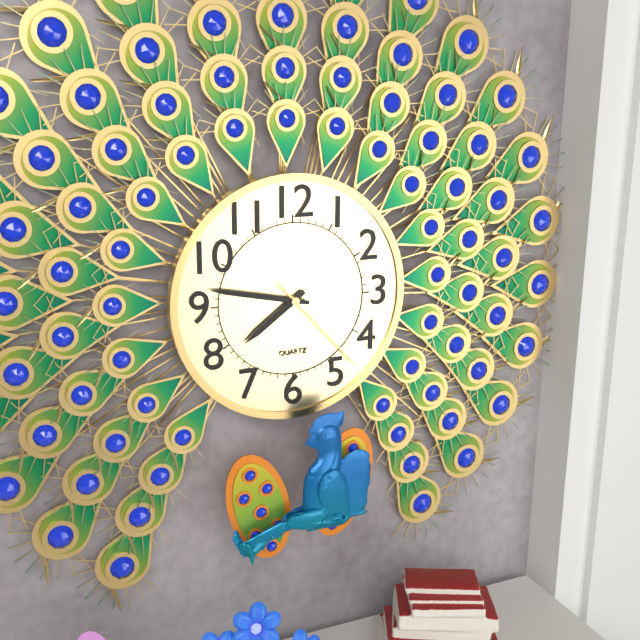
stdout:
**7:47:23**
